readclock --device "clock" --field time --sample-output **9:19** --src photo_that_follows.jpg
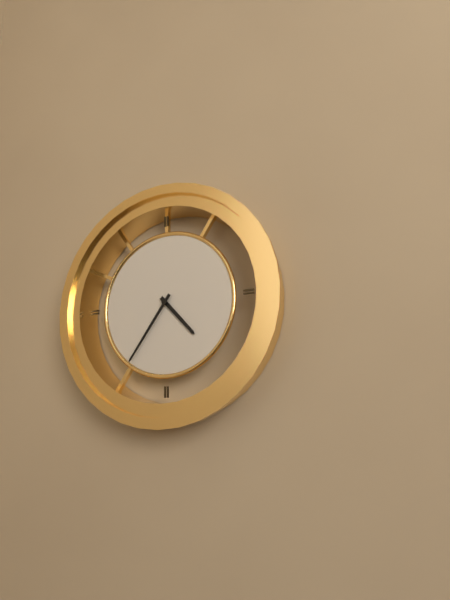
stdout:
**4:36**
